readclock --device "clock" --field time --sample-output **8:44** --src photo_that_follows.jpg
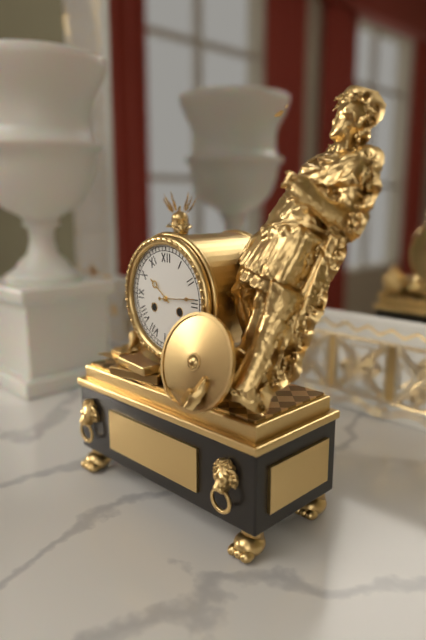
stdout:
**10:14**
